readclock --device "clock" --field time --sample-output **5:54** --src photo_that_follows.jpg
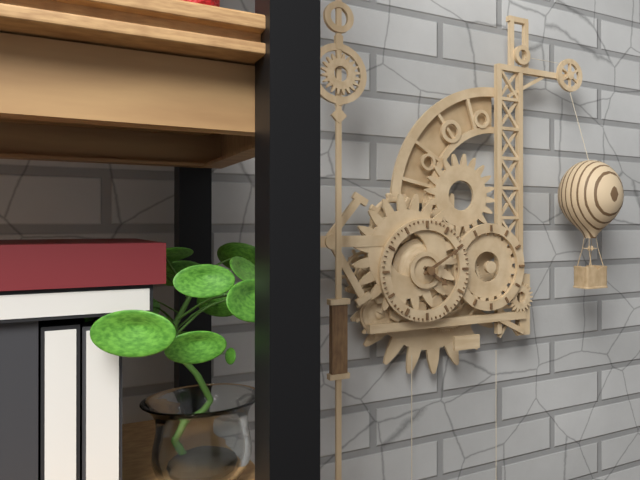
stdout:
**4:10**
